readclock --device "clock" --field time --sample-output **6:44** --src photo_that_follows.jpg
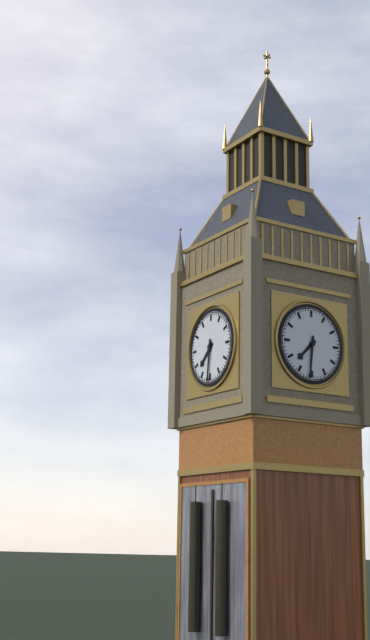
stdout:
**7:31**
